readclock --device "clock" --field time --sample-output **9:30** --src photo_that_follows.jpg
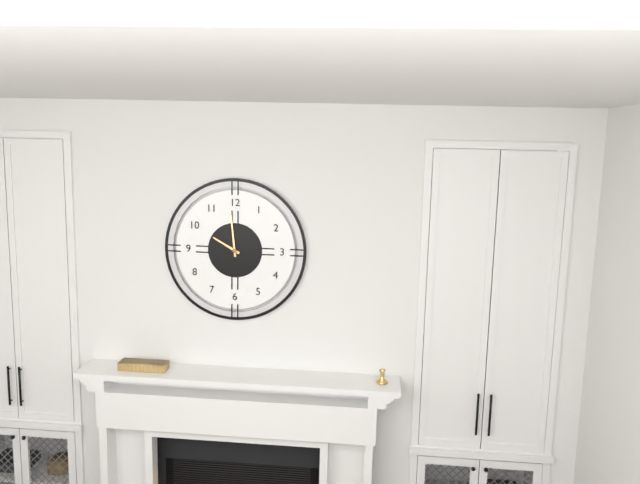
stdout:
**9:59**
